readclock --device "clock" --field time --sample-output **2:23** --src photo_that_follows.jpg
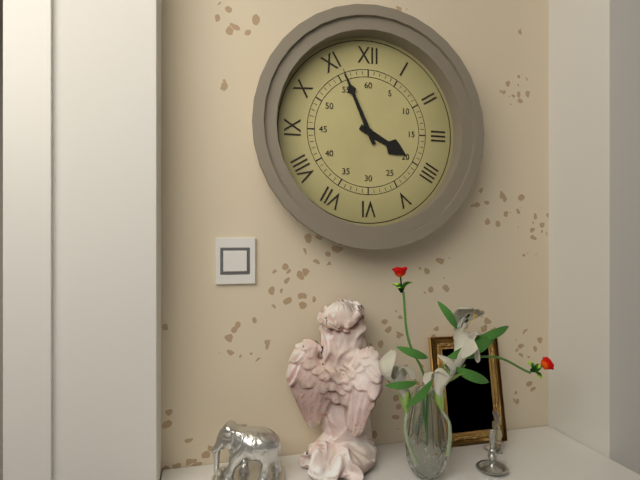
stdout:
**3:56**
